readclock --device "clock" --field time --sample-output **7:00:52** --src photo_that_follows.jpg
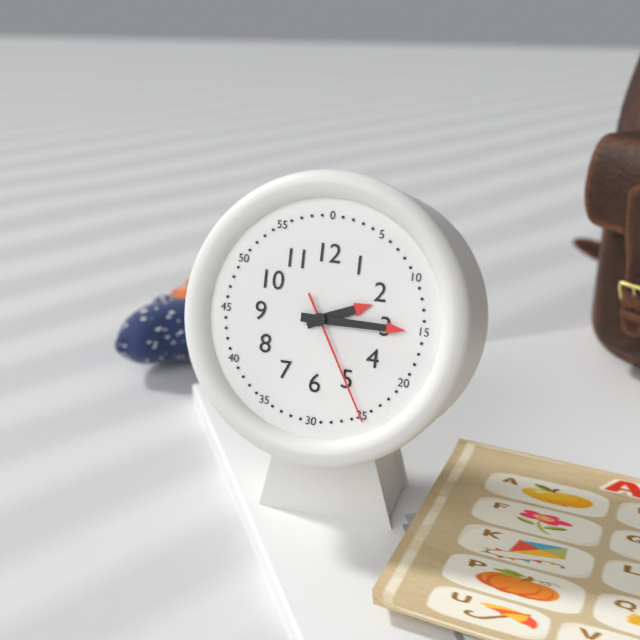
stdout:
**2:15:25**
